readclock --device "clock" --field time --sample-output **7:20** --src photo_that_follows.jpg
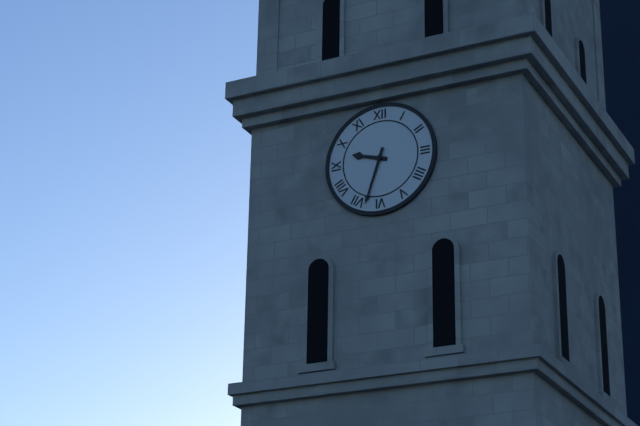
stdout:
**9:33**
